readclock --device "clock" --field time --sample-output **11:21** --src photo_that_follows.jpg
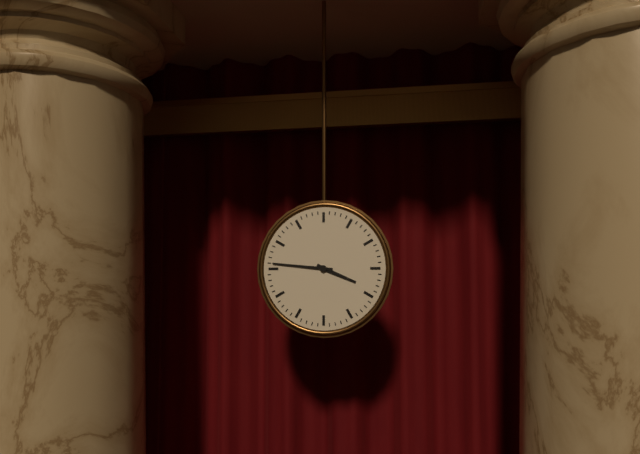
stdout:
**3:46**
